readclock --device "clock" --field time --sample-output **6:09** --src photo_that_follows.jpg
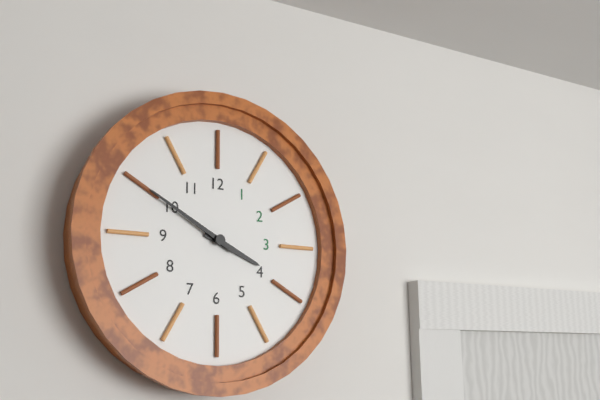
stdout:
**3:50**
